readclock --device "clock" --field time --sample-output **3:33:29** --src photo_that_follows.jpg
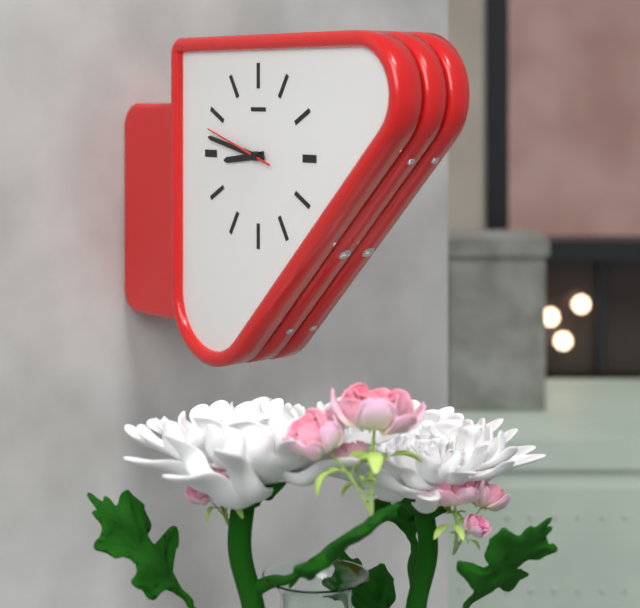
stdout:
**8:47:48**
